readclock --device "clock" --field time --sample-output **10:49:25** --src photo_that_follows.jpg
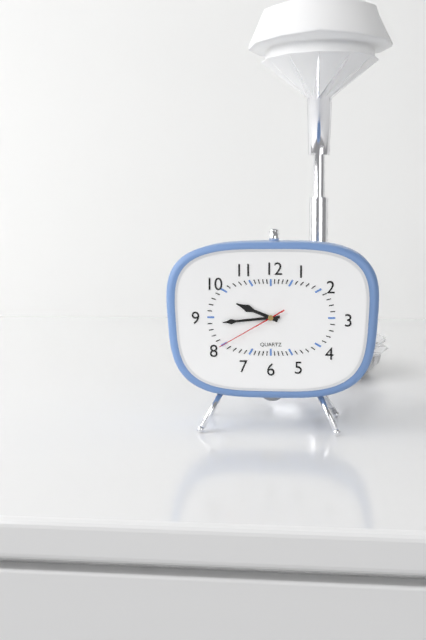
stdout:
**9:44:40**
